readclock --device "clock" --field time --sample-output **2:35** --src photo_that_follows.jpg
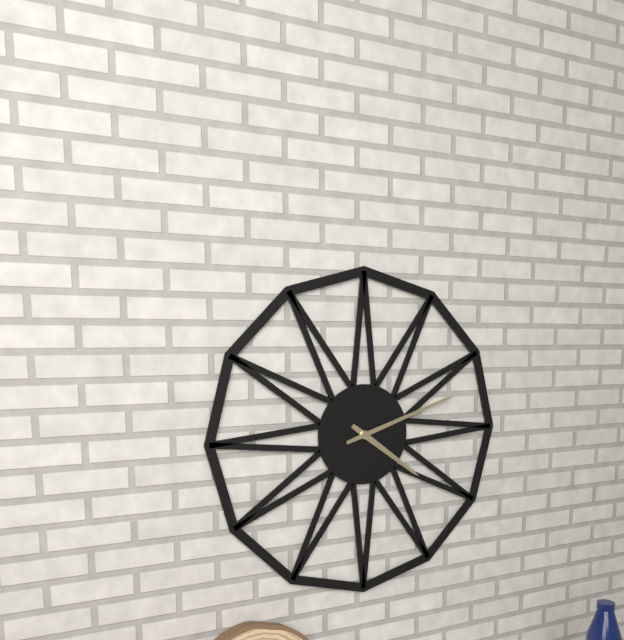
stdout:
**4:12**
